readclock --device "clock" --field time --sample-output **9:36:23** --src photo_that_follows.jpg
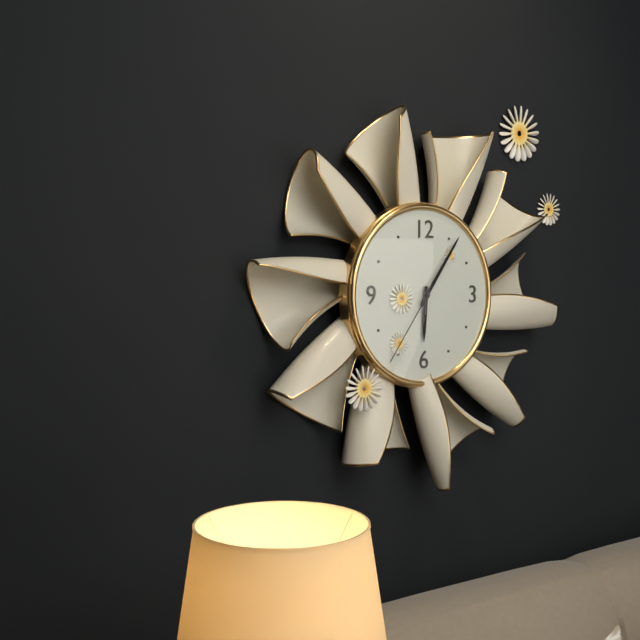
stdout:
**6:06:36**
